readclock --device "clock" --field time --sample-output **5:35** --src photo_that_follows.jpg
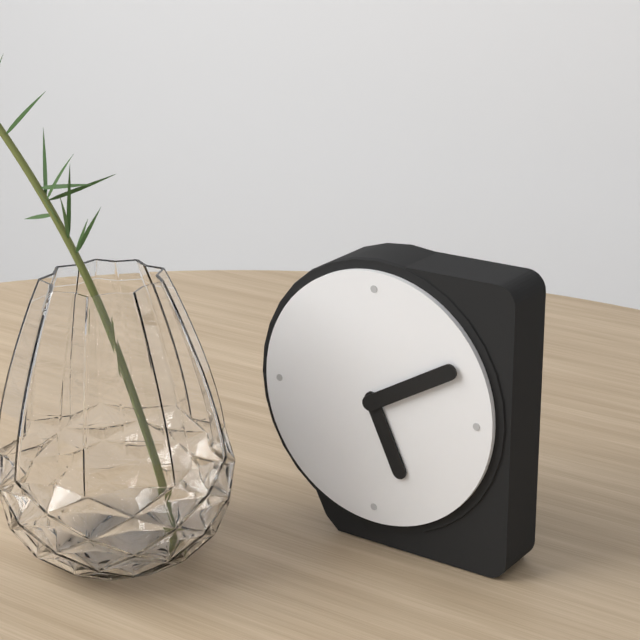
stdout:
**5:10**
